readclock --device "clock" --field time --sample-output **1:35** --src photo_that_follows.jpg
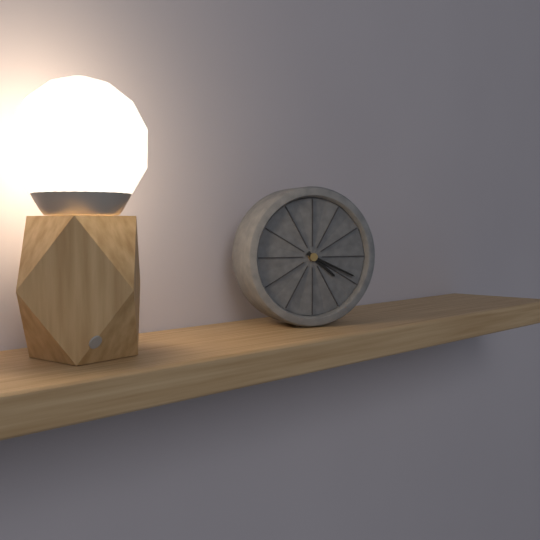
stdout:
**4:19**
